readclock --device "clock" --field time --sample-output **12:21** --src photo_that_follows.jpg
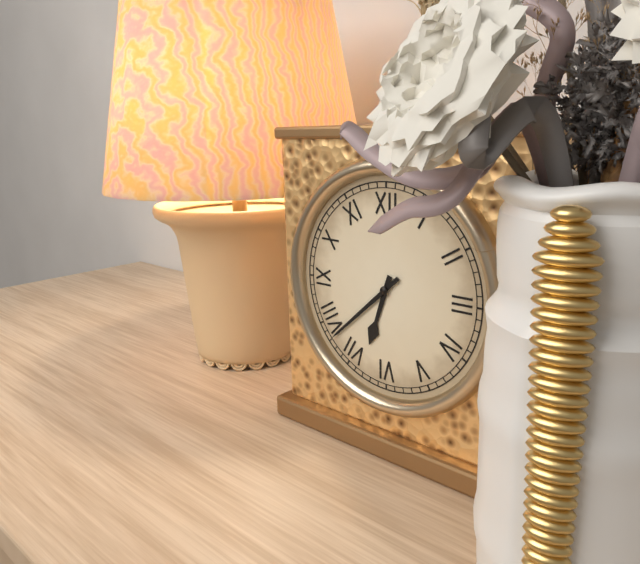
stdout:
**6:38**
